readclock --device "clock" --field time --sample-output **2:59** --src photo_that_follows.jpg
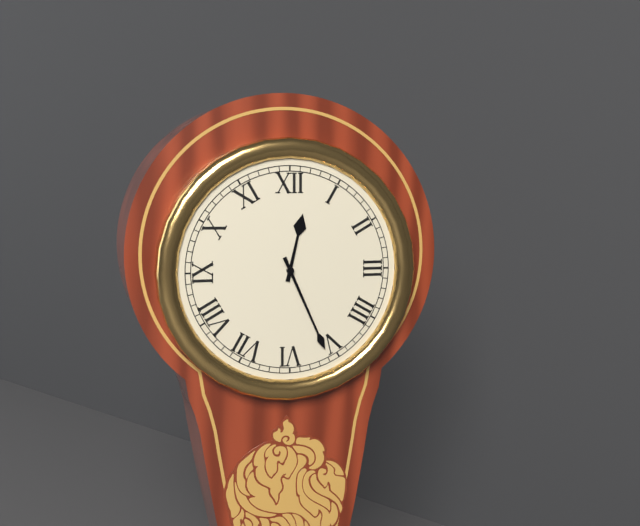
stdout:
**12:26**
